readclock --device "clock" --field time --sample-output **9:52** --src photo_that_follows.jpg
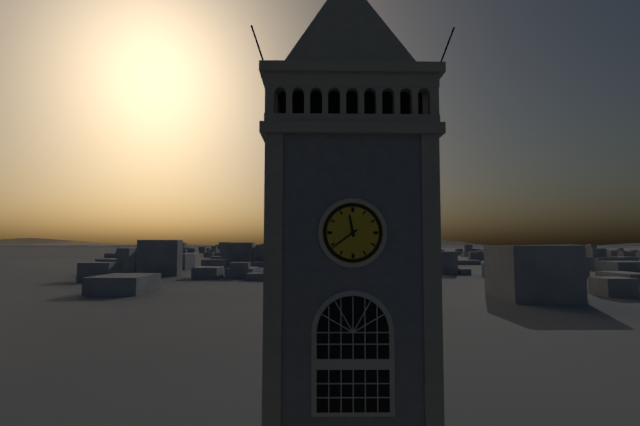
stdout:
**11:39**
